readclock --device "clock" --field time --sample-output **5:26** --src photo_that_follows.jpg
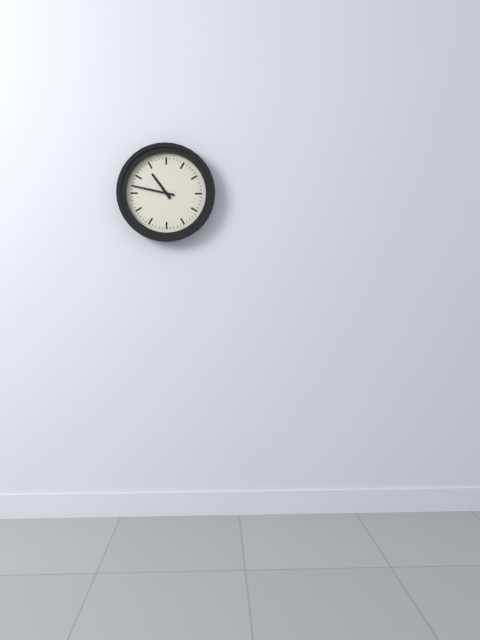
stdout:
**10:47**
